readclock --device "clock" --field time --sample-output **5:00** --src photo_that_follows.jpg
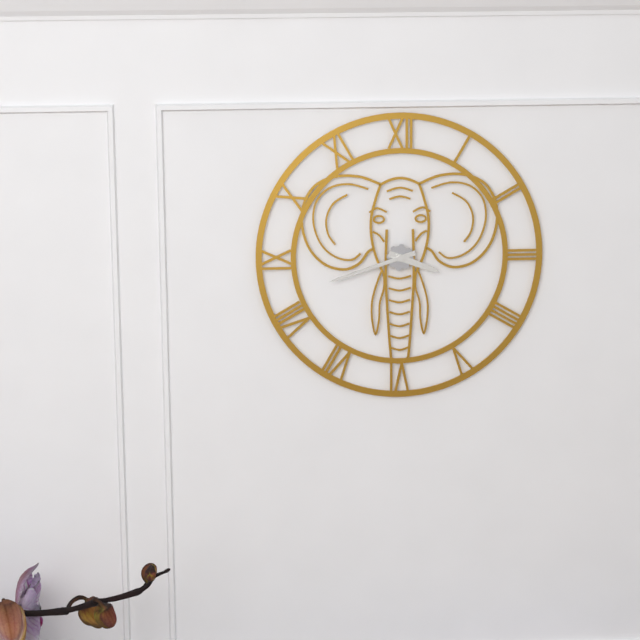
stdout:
**3:42**
